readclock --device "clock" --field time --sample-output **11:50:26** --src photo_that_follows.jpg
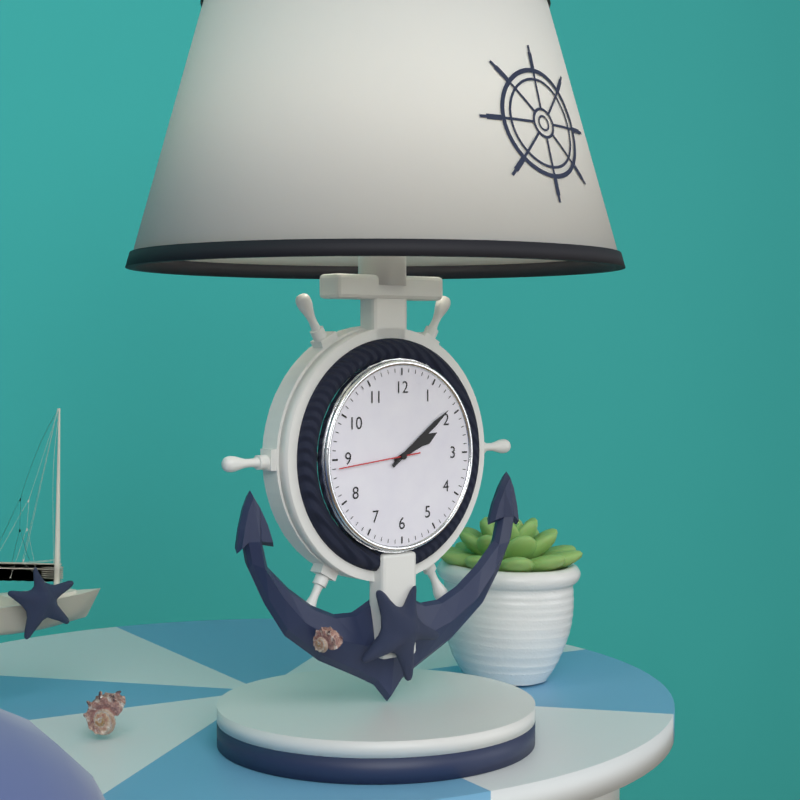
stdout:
**2:09:44**
